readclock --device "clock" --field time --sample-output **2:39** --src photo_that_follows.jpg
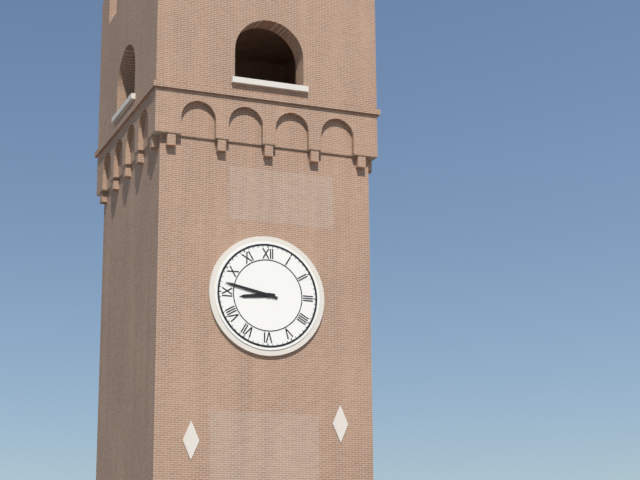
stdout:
**8:47**
